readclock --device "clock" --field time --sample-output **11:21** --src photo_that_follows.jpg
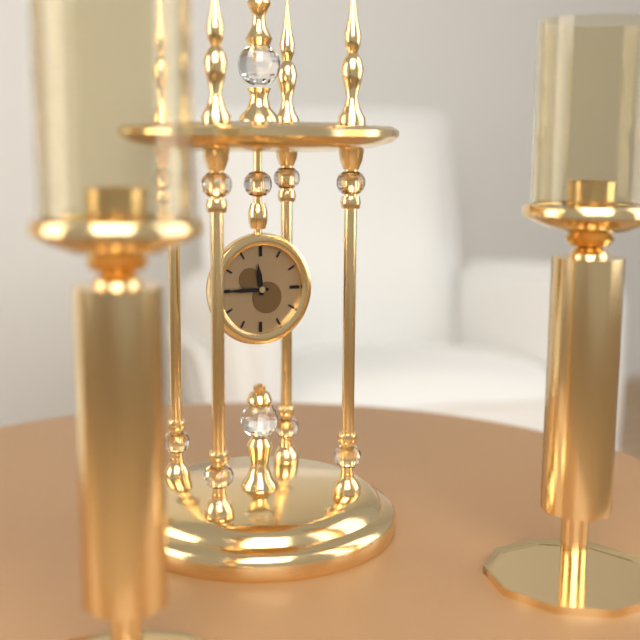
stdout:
**11:45**
